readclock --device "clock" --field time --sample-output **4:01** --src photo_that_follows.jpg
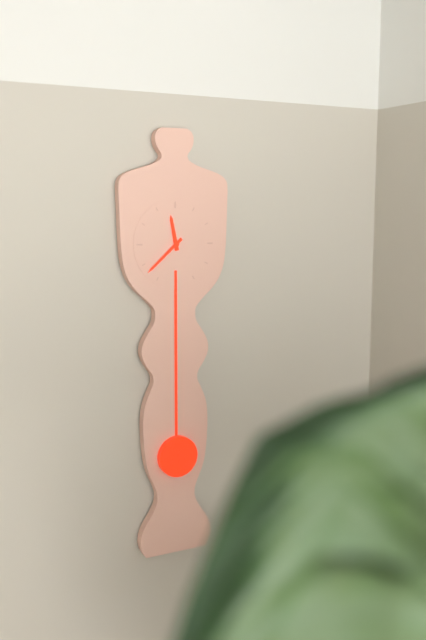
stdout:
**11:38**
